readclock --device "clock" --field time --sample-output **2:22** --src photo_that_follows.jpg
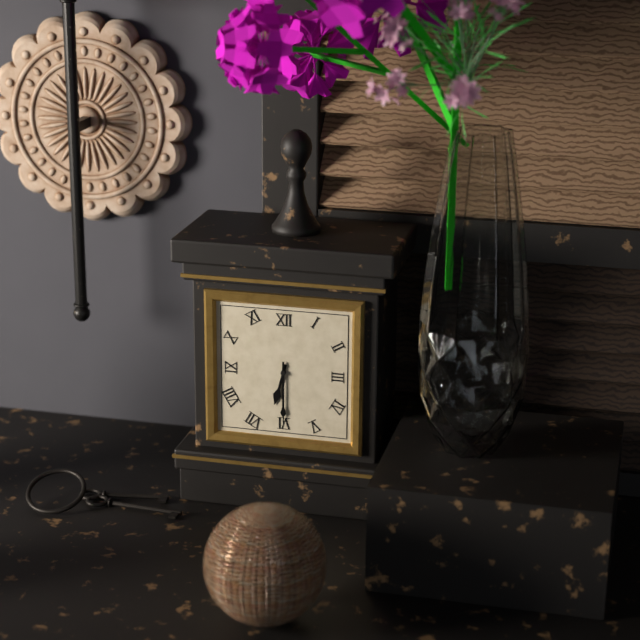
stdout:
**6:30**
